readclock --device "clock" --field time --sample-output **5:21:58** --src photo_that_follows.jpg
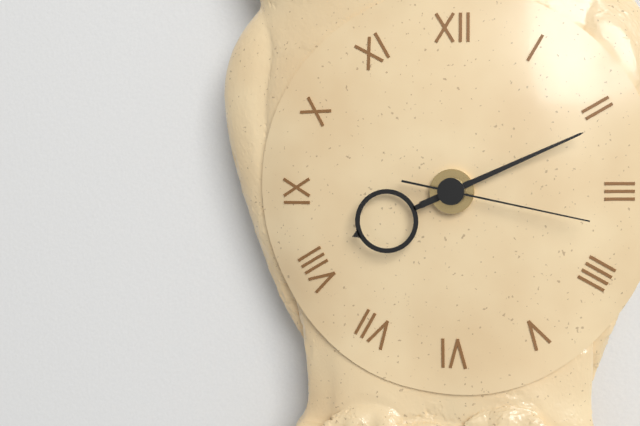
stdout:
**8:11:17**
